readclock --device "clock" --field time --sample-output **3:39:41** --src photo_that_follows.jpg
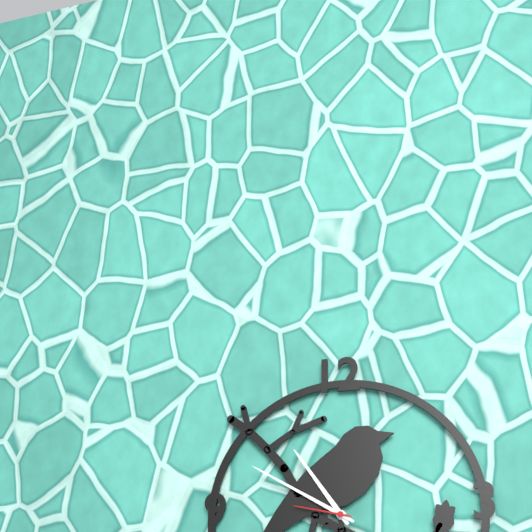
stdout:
**10:50:47**
